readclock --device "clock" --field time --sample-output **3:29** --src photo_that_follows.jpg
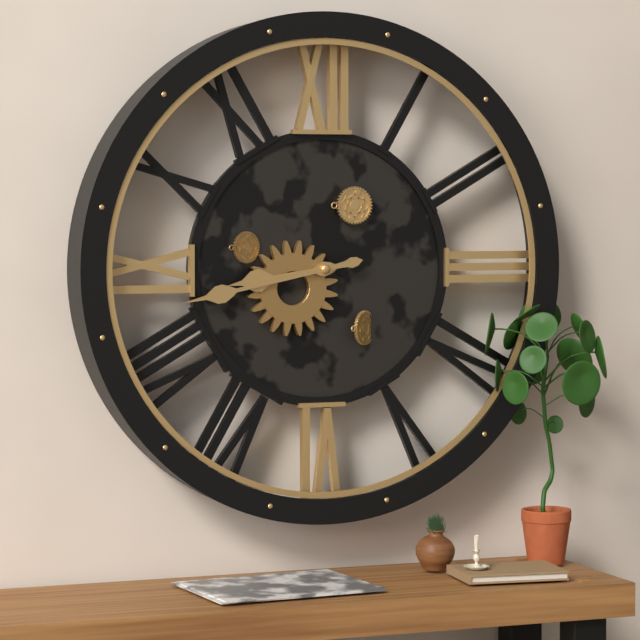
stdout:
**8:43**
